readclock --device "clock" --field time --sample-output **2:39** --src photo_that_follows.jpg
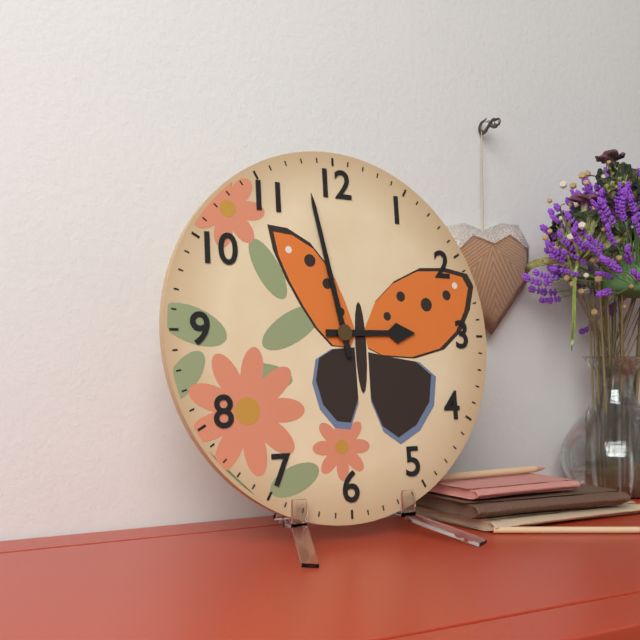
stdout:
**2:58**
